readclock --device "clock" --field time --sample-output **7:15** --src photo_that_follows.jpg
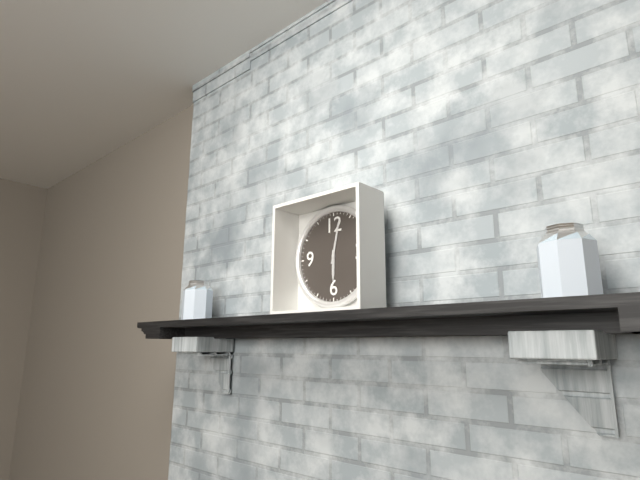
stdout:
**6:02**
